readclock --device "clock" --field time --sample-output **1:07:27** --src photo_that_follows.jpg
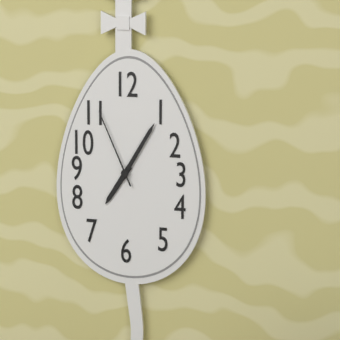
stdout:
**7:05:56**
